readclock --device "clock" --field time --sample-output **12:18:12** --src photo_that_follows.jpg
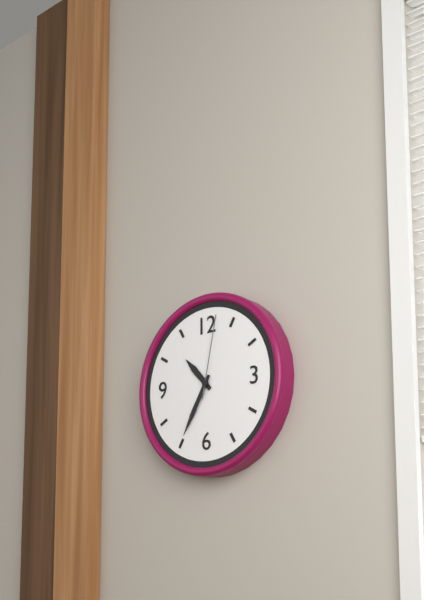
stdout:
**10:35:02**
